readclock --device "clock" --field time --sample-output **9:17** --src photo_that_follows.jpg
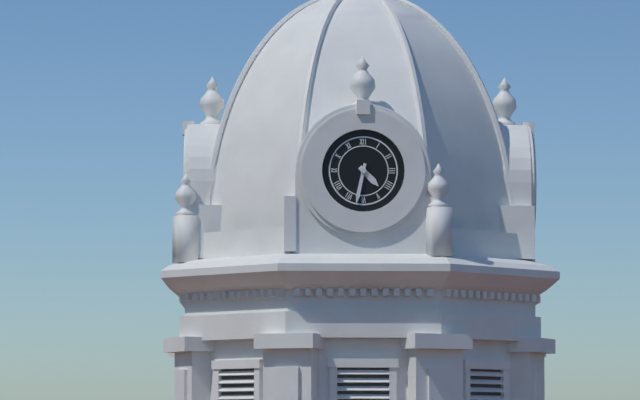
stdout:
**4:32**
